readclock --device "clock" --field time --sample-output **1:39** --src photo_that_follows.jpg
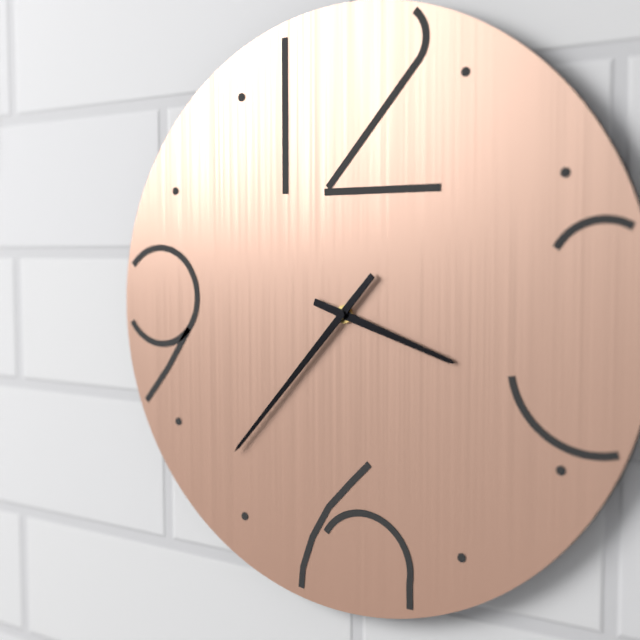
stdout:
**3:37**
